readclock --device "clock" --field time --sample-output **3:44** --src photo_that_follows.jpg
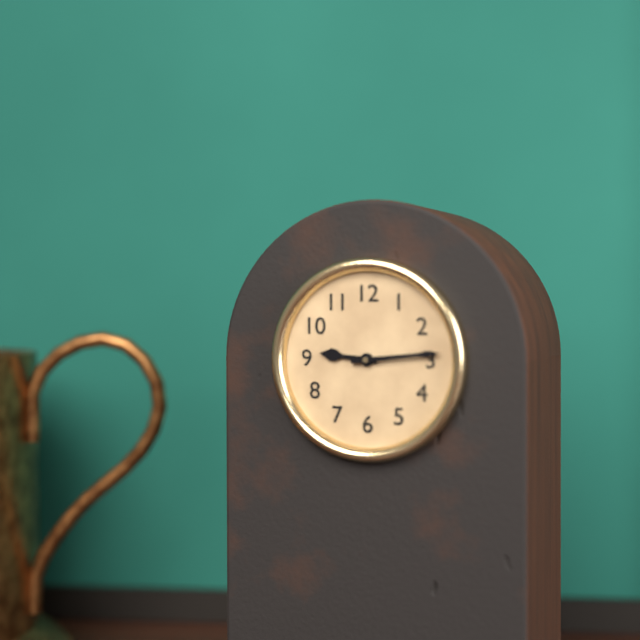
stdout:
**9:14**
